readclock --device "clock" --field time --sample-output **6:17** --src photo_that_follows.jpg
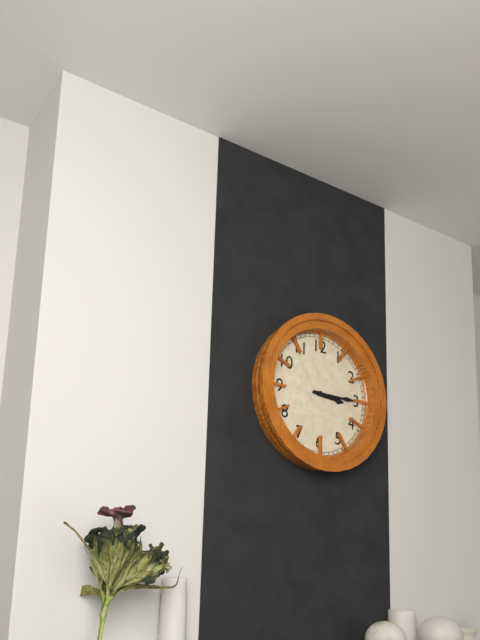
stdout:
**3:15**
